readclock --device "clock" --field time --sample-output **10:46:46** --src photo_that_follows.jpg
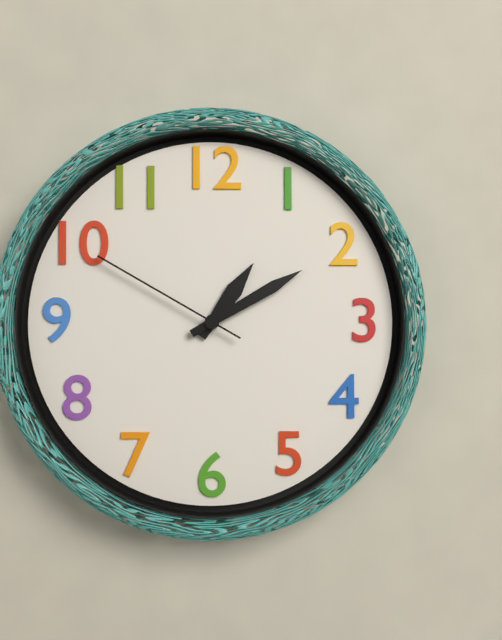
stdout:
**1:10:50**
